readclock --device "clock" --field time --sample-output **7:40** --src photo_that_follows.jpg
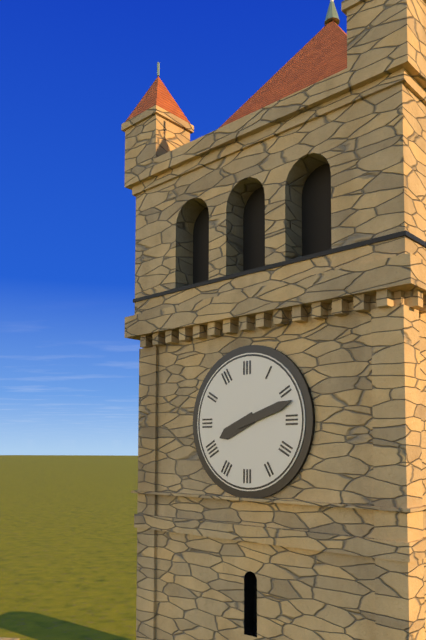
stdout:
**8:12**
